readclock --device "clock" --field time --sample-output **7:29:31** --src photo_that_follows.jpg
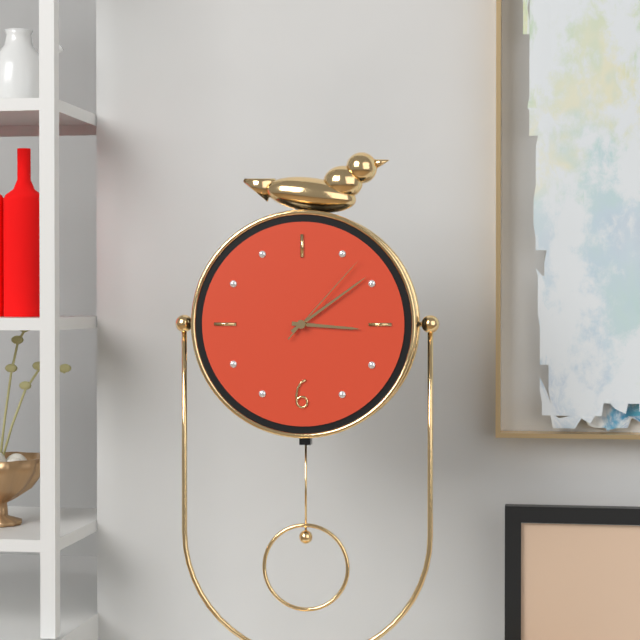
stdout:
**3:09:07**
